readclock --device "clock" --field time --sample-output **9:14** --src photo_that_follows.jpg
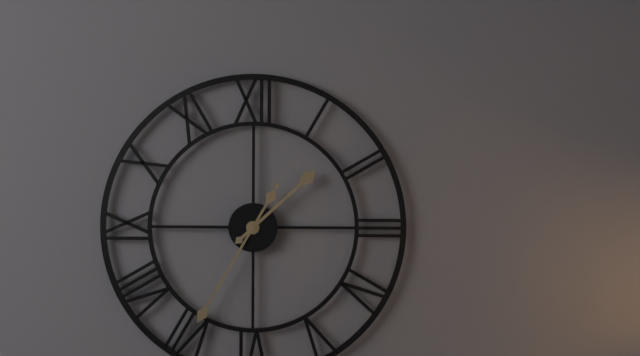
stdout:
**1:35**
